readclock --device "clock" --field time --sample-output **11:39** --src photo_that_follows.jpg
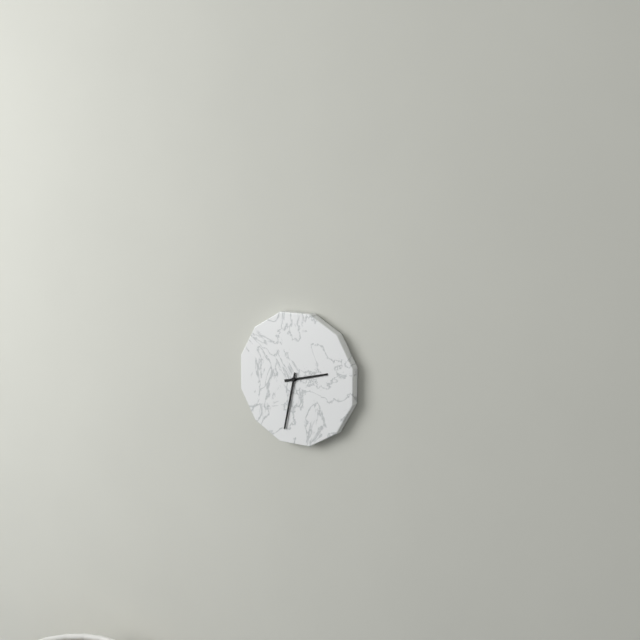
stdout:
**2:32**
